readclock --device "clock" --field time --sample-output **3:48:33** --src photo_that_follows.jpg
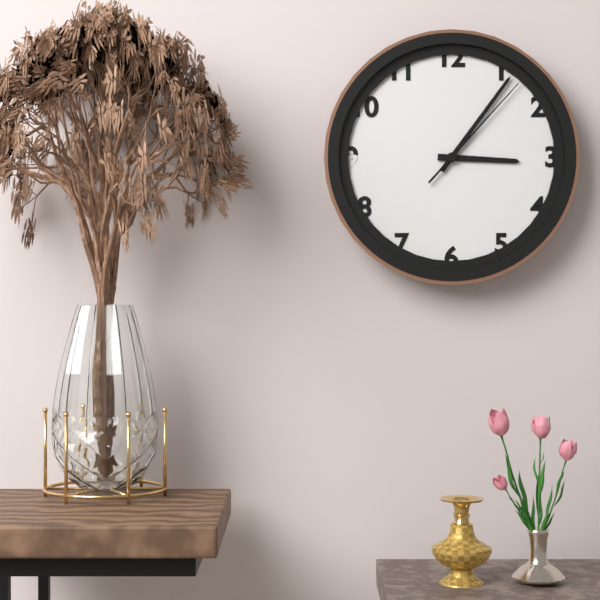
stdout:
**3:06:07**
